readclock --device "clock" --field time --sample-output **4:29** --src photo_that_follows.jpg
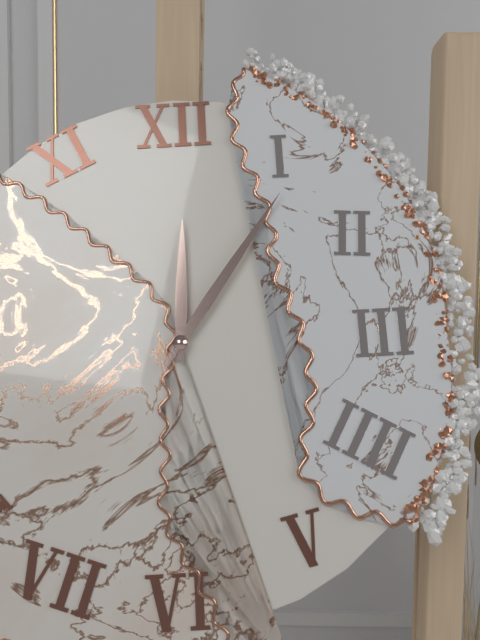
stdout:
**12:06**
